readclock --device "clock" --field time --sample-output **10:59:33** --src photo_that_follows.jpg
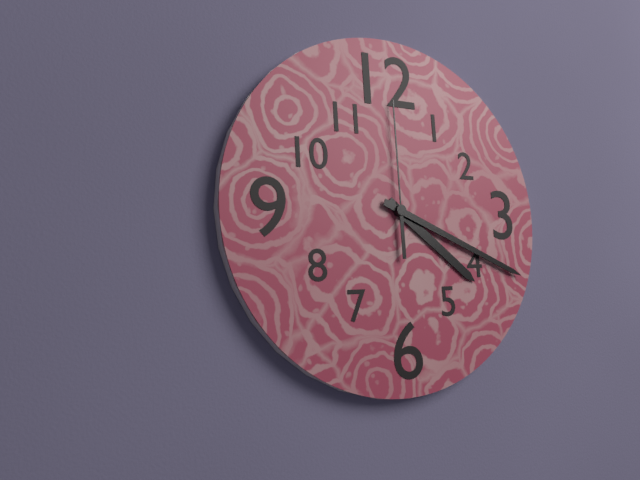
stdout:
**4:19:00**
